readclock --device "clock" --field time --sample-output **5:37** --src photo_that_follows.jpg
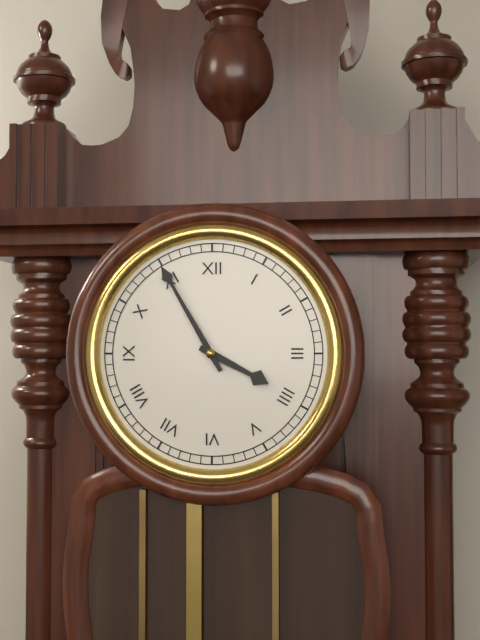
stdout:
**3:55**
